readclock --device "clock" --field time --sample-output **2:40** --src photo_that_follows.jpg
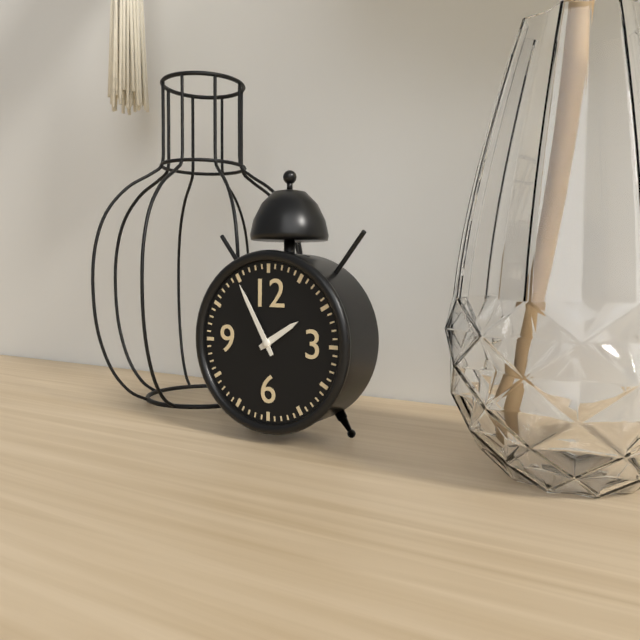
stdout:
**1:55**
